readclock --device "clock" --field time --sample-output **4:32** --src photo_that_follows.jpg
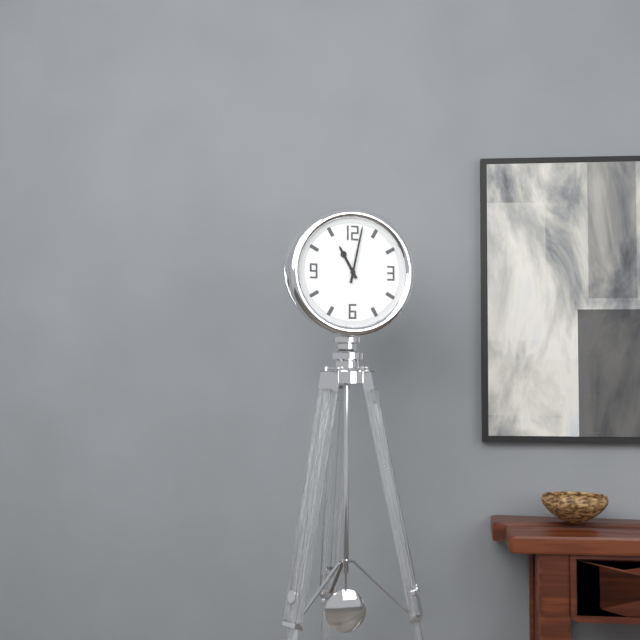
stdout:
**11:02**
